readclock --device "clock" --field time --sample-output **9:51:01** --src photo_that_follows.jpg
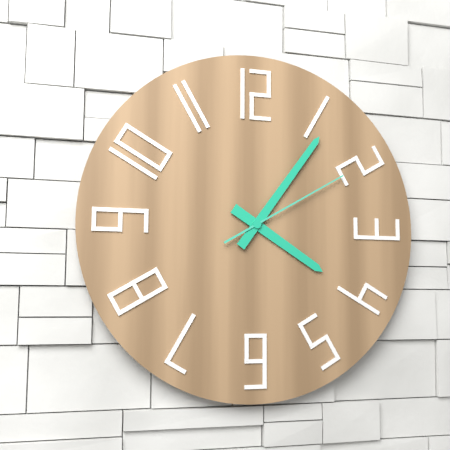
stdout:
**4:06:10**
